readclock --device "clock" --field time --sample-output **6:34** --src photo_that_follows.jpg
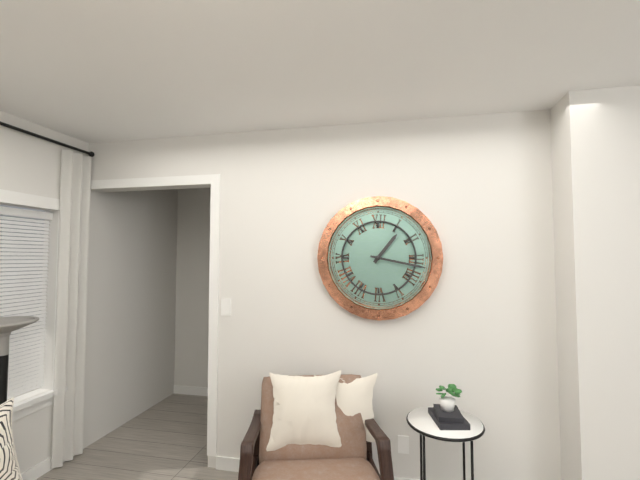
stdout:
**1:17**
